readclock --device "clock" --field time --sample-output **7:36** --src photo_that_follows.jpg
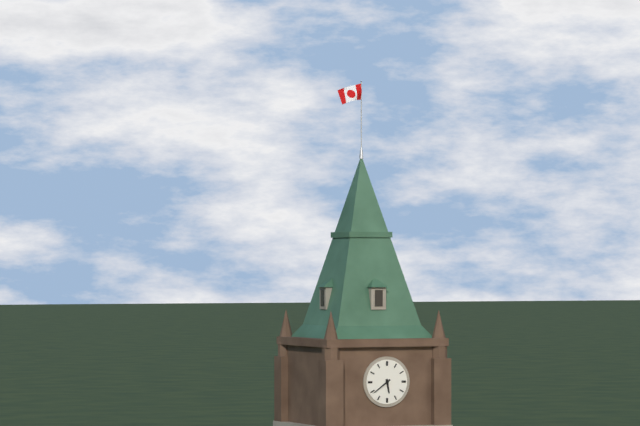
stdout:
**5:39**
